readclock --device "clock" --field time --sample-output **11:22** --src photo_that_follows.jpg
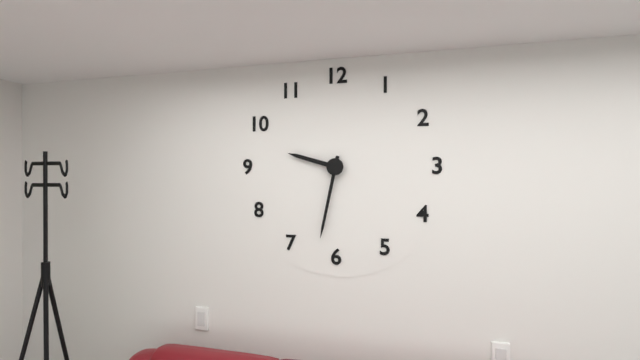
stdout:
**9:32**
